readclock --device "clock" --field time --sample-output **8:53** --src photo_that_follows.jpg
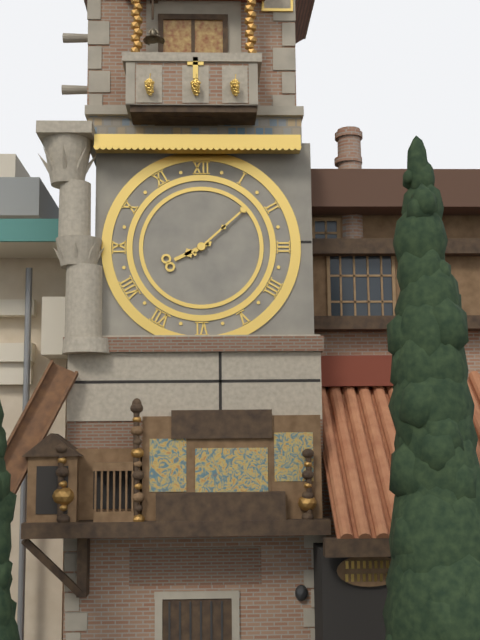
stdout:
**8:08**
